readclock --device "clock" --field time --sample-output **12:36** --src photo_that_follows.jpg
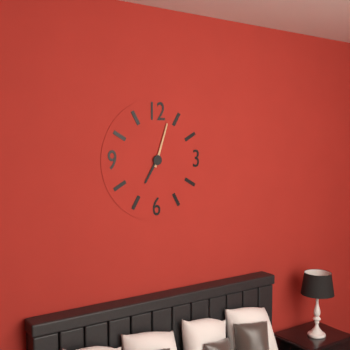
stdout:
**7:03**
